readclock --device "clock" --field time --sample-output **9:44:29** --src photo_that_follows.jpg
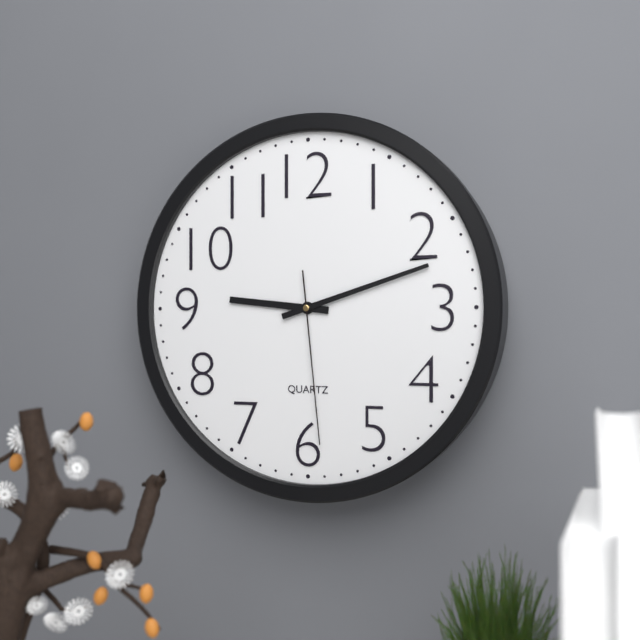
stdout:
**9:12:29**
